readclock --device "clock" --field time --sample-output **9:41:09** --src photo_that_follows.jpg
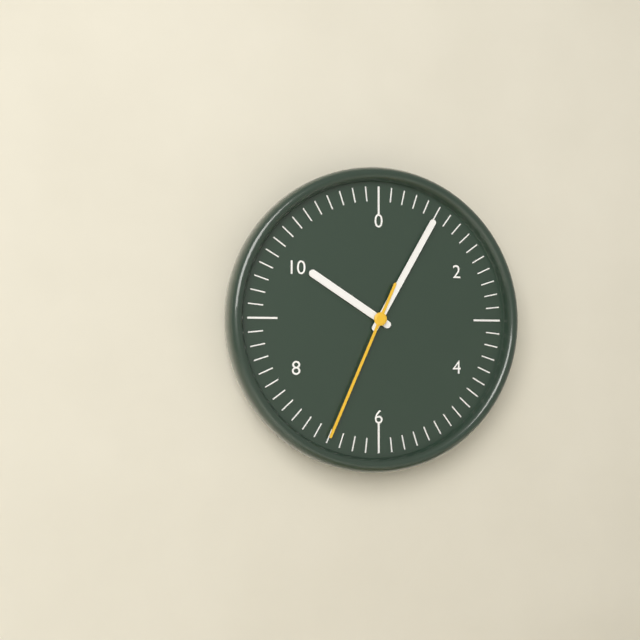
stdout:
**10:05:34**
